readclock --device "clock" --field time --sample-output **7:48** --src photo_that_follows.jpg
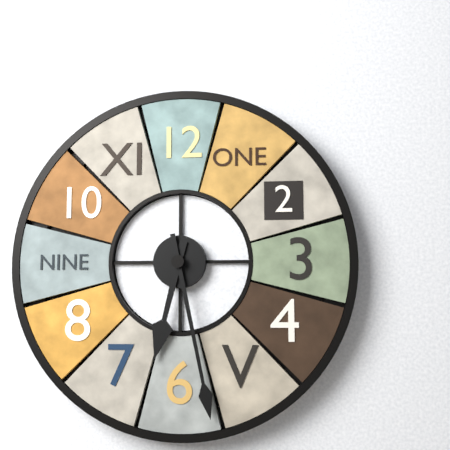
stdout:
**6:28**
